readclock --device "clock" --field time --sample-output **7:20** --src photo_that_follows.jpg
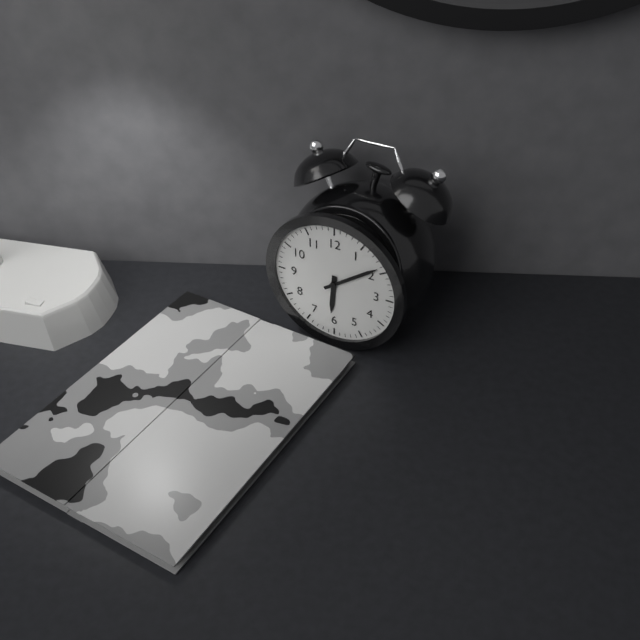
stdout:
**6:09**
